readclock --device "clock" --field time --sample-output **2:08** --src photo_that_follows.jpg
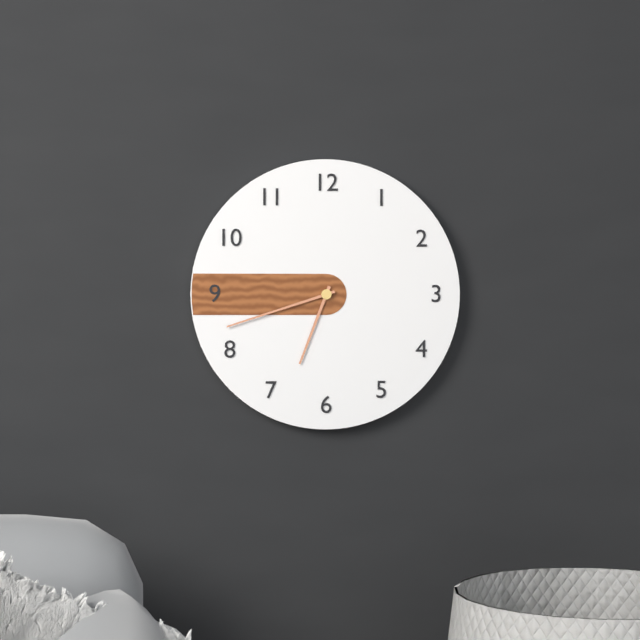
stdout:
**6:42**
